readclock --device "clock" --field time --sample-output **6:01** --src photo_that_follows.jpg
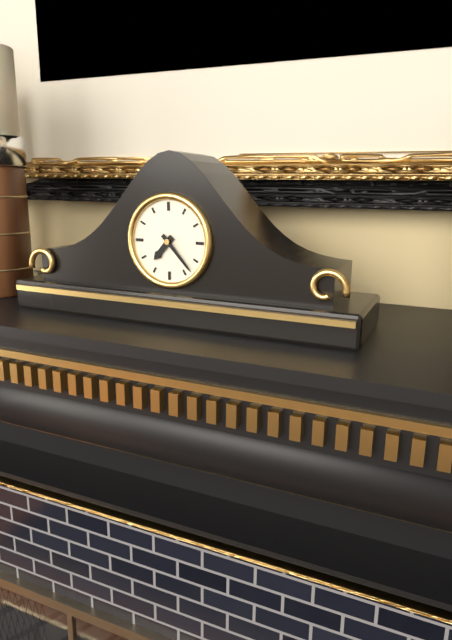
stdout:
**7:23**
